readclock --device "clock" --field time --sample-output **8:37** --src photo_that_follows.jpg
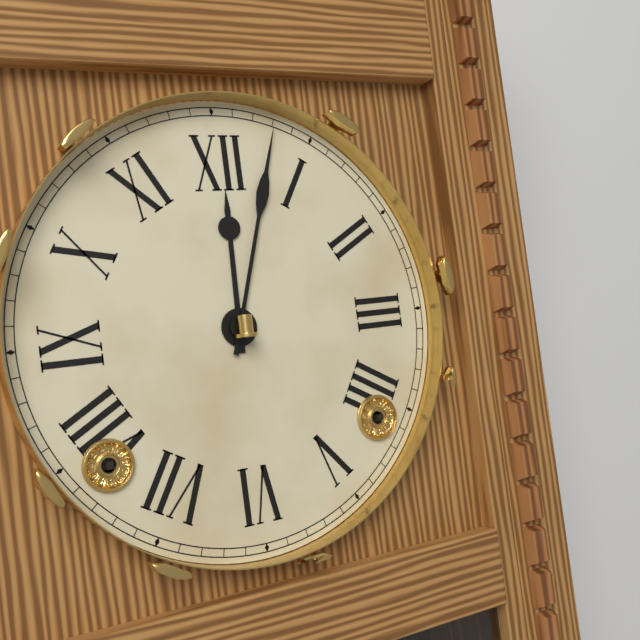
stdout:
**12:03**
